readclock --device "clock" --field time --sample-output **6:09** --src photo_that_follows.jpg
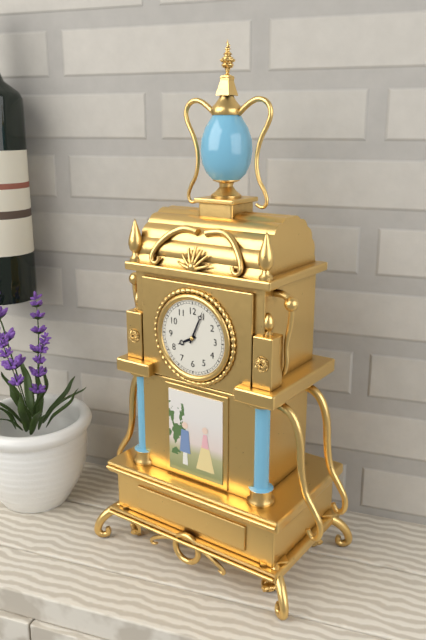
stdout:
**8:04**
